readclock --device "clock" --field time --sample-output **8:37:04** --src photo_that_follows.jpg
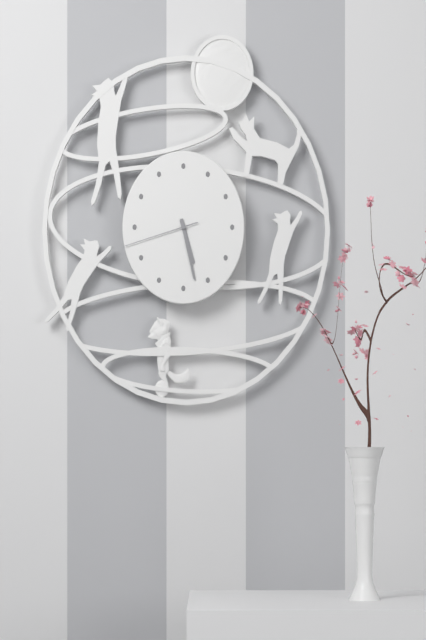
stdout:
**5:28:42**
